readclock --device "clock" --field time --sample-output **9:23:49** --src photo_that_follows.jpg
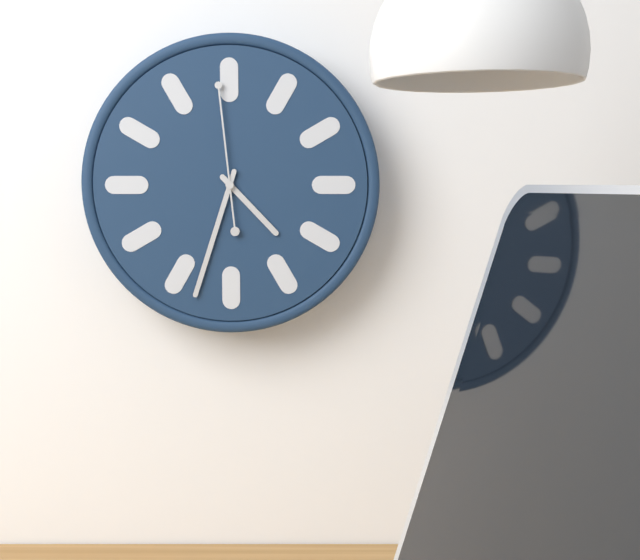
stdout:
**4:33:59**
